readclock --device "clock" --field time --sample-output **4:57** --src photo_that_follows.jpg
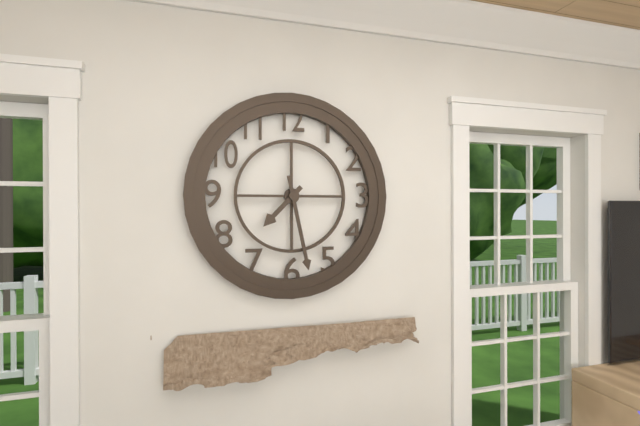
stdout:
**7:28**
